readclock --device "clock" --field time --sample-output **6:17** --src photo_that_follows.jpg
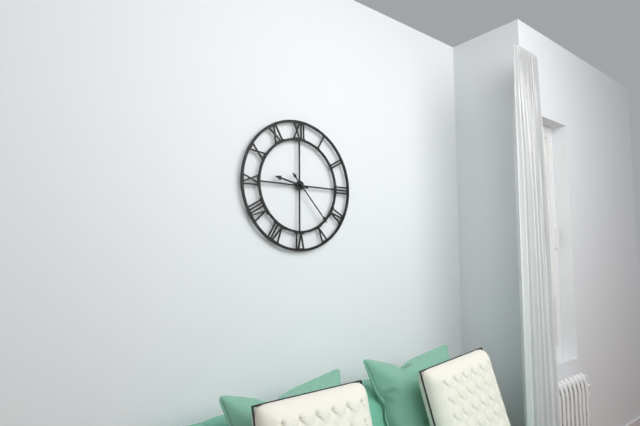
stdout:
**9:23**
